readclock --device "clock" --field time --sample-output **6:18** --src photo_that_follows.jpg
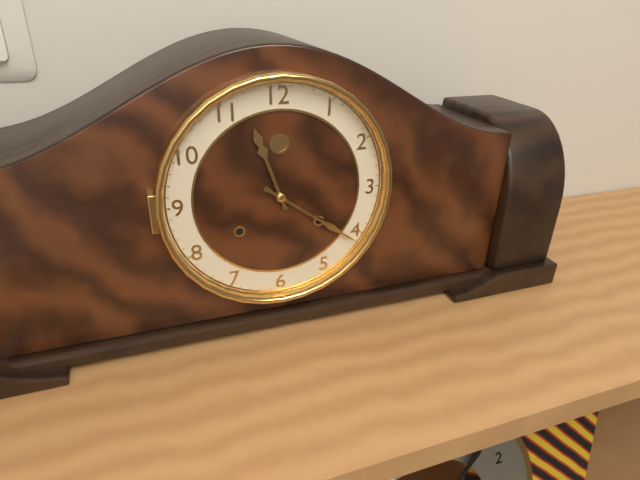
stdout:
**11:21**
